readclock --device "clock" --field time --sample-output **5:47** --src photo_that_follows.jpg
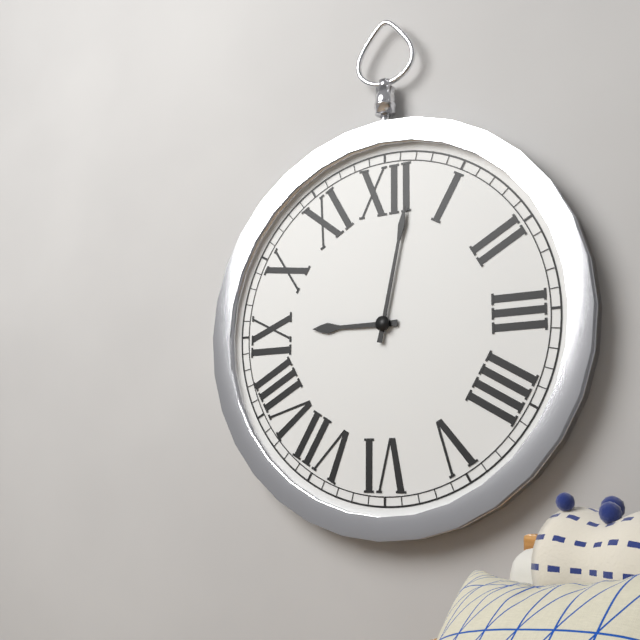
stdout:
**9:02**
